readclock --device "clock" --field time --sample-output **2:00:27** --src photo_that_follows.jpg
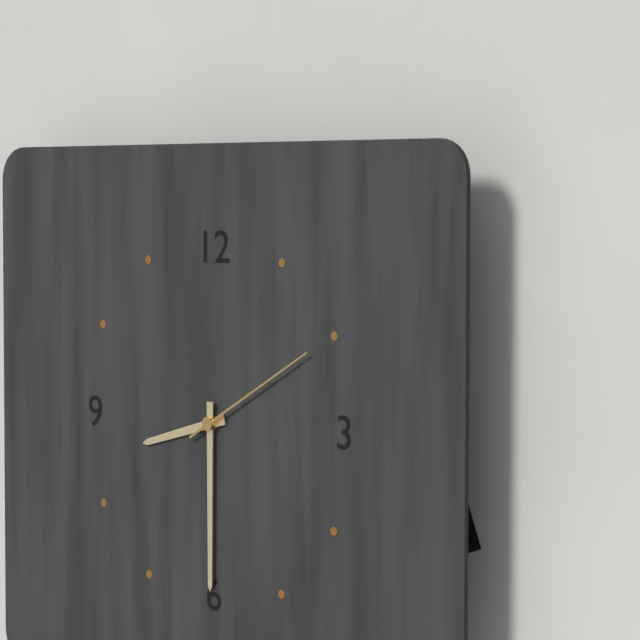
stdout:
**8:30:10**
